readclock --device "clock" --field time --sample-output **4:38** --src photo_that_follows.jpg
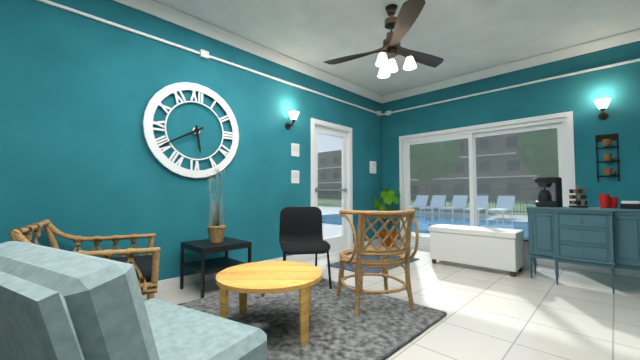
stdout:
**5:40**
